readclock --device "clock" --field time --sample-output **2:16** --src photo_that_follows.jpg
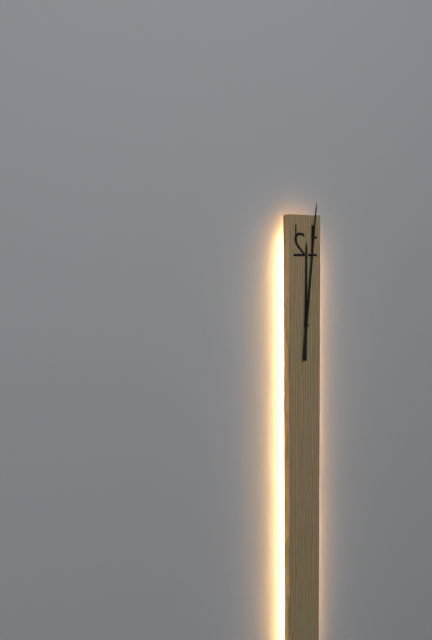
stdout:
**12:01**
